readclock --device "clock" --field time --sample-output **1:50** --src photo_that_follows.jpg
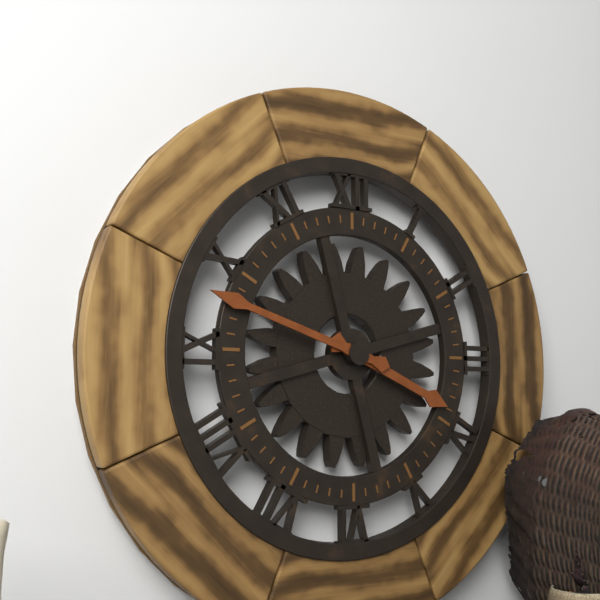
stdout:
**3:48**
